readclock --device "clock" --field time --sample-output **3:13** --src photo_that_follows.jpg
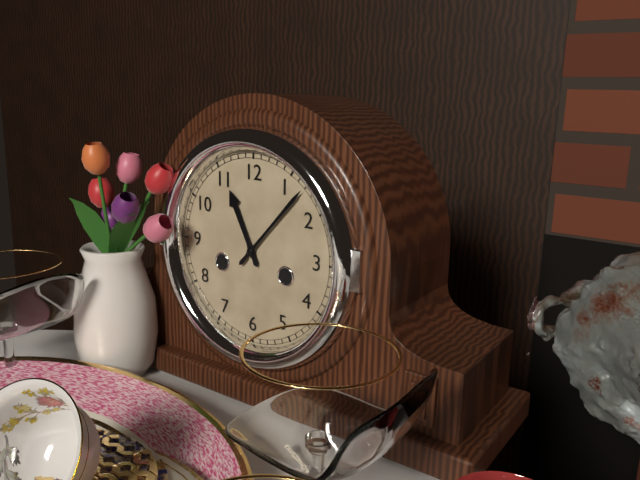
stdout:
**11:07**
